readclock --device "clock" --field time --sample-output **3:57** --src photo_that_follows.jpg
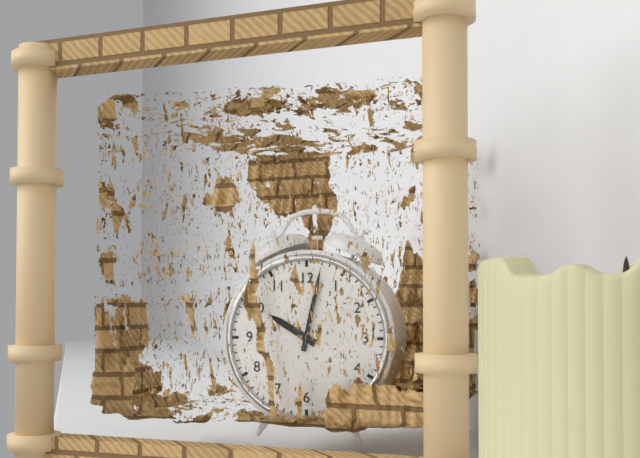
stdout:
**10:02**
